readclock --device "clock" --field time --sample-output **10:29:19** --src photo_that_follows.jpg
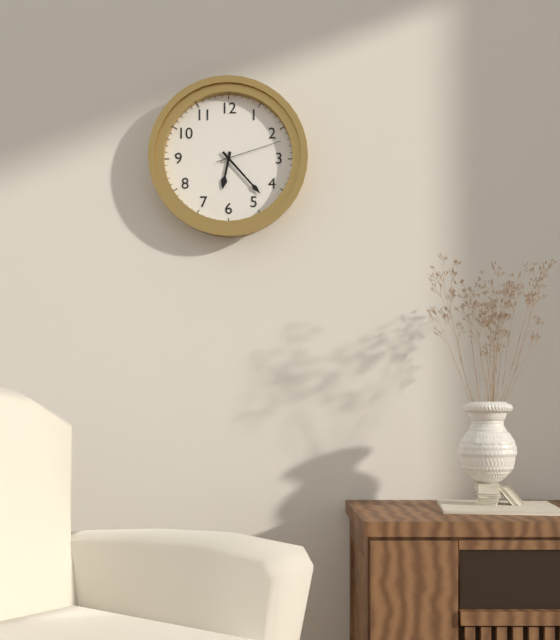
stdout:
**6:23:12**
